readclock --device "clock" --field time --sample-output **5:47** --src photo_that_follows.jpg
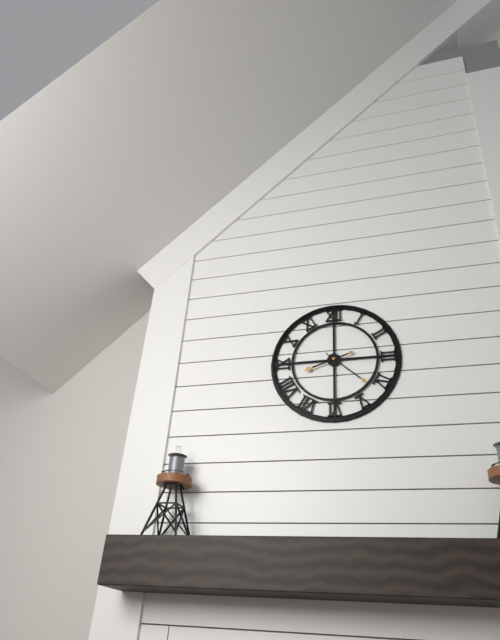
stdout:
**8:22**
